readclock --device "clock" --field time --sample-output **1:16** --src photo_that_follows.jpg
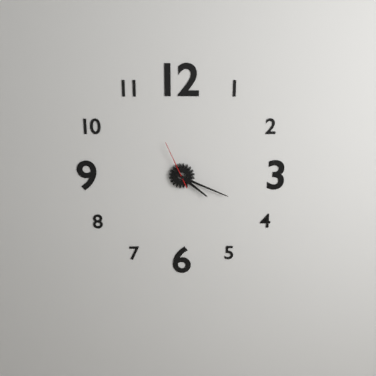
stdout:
**4:19**
